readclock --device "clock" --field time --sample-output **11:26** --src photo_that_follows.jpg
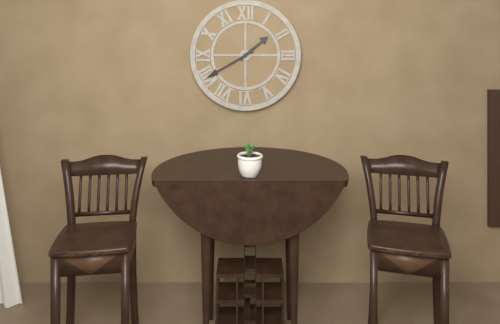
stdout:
**1:40**
